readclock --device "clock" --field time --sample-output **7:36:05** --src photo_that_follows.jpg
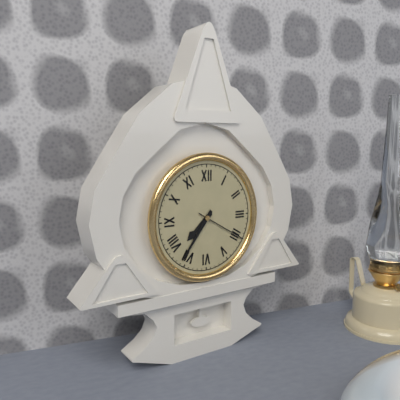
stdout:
**7:36:20**
